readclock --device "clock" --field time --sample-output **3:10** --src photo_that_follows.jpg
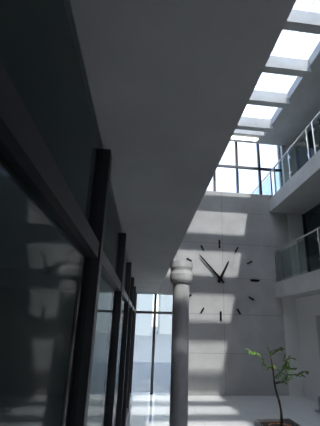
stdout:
**12:53**
